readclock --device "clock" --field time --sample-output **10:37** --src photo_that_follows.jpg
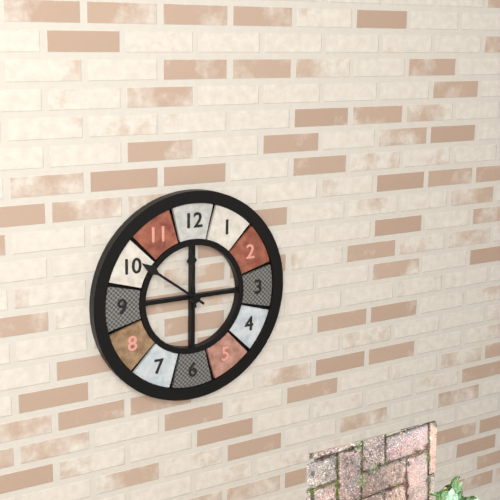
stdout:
**11:51**
